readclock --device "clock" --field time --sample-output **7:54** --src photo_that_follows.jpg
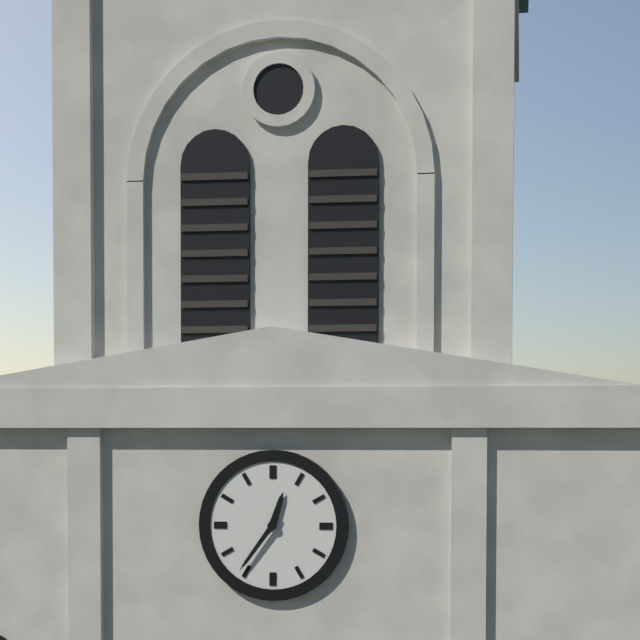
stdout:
**12:36**
